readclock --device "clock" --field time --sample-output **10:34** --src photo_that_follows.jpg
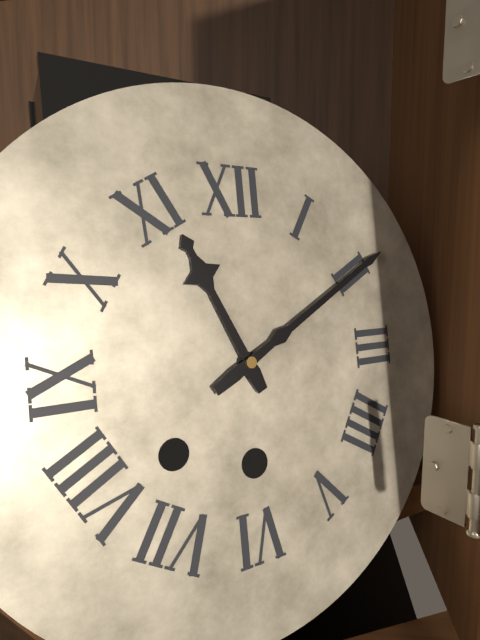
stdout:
**11:10**
